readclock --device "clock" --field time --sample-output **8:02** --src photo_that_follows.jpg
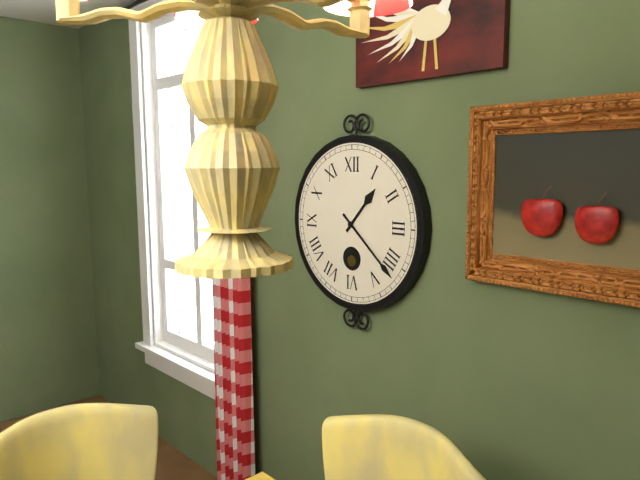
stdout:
**1:22**
